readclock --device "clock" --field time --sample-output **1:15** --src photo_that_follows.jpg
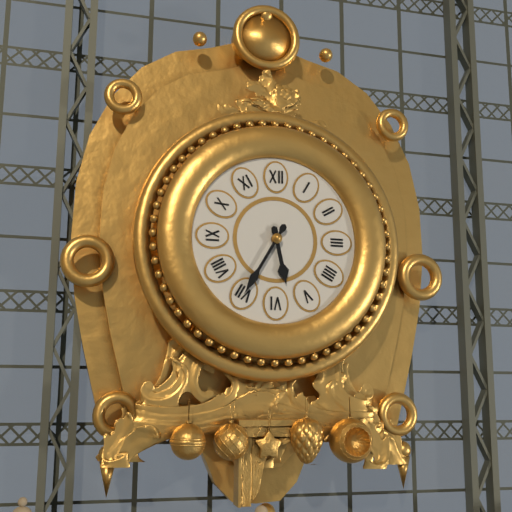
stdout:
**5:35**
